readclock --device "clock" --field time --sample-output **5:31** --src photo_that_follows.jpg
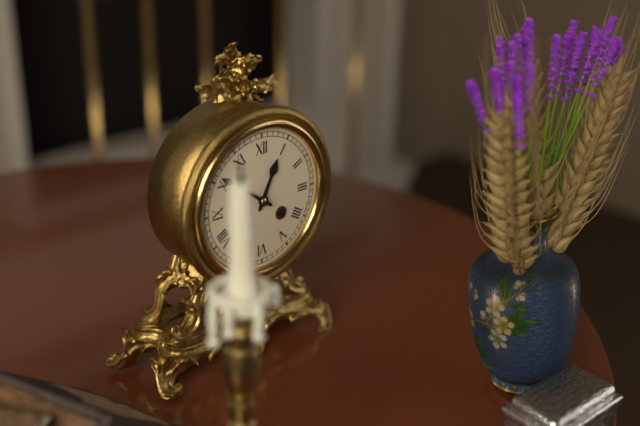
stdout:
**12:51**
